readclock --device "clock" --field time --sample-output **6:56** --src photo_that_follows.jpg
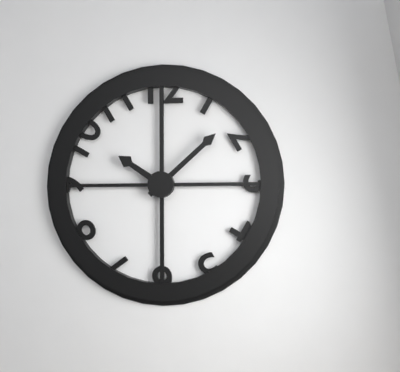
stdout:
**10:08**
